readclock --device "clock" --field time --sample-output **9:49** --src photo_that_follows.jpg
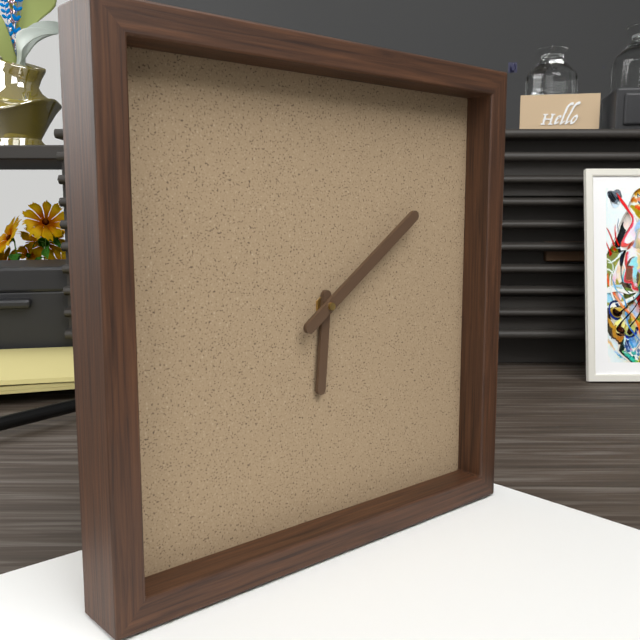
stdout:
**6:09**
